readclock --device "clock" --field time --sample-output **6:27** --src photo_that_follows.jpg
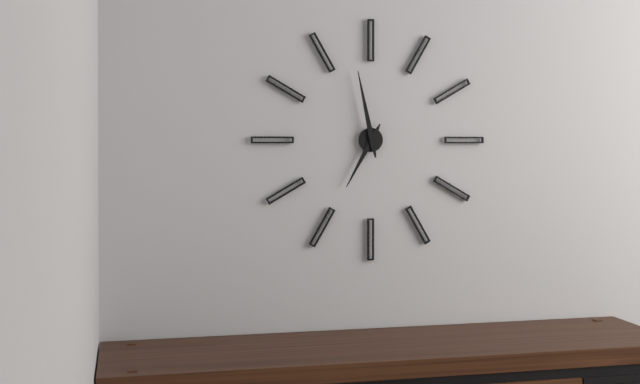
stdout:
**6:58**
